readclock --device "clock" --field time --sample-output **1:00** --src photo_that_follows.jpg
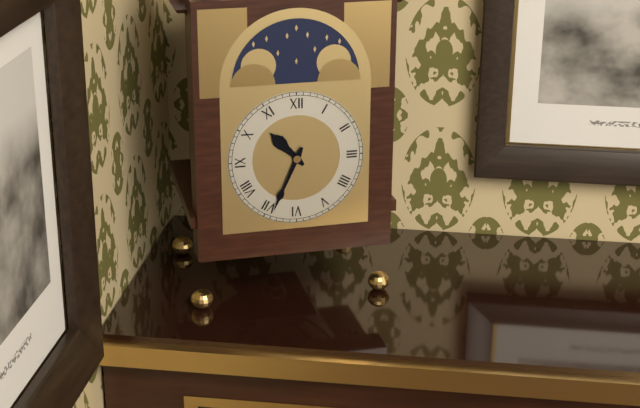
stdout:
**10:34**
